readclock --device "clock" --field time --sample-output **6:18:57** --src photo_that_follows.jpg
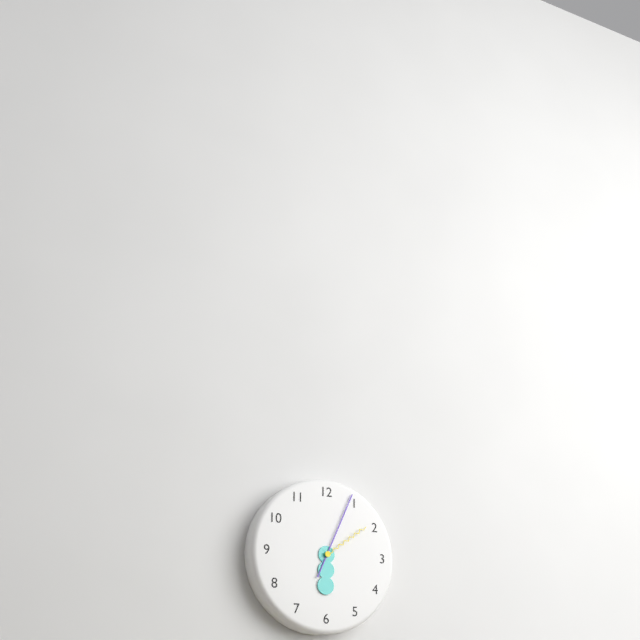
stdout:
**6:04:09**
